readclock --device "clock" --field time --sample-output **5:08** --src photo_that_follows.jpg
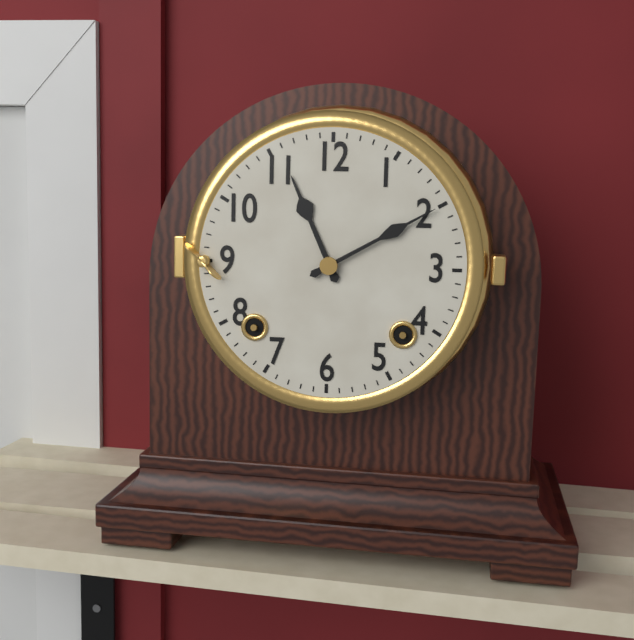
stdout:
**11:10**
